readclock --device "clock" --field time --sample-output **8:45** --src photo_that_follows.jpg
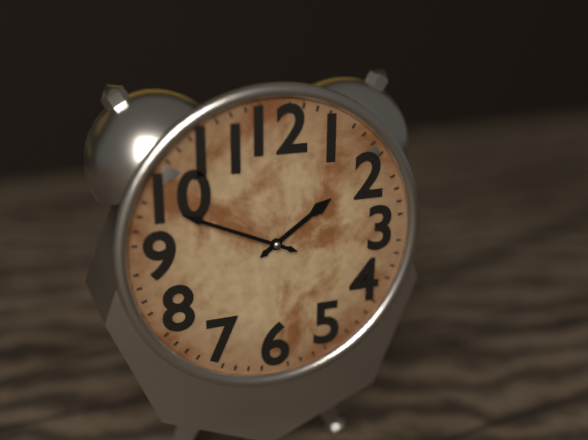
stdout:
**1:49**
